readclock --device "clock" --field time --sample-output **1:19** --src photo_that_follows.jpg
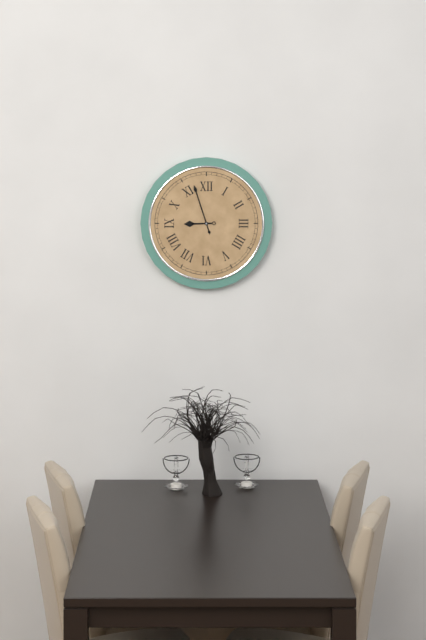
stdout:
**8:57**
